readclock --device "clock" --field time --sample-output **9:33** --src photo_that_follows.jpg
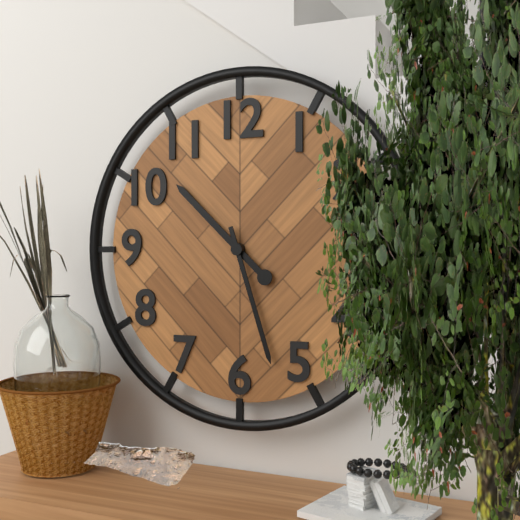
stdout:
**10:27**
